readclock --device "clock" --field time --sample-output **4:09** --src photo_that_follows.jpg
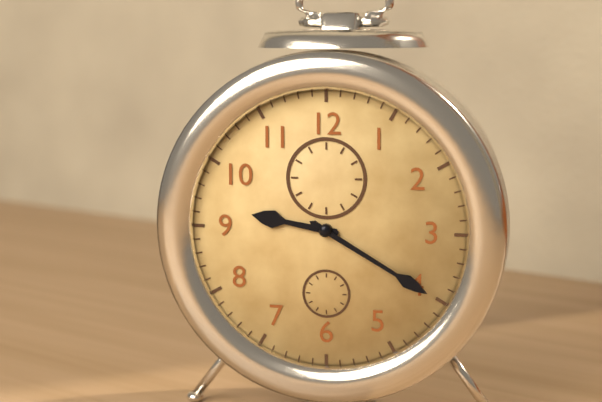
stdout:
**9:20**
